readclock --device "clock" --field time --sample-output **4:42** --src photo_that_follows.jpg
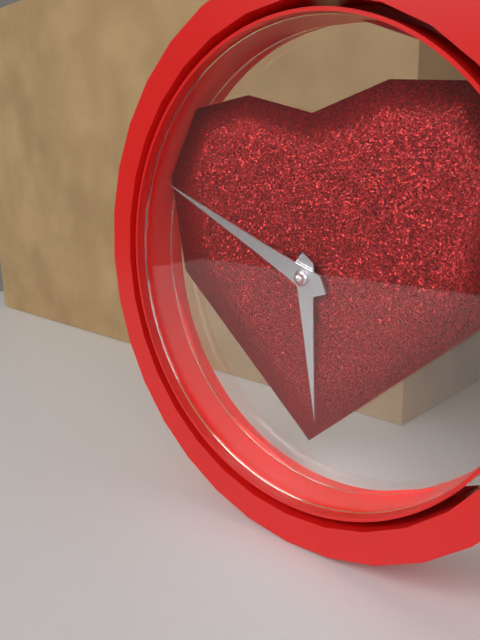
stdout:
**5:49**
